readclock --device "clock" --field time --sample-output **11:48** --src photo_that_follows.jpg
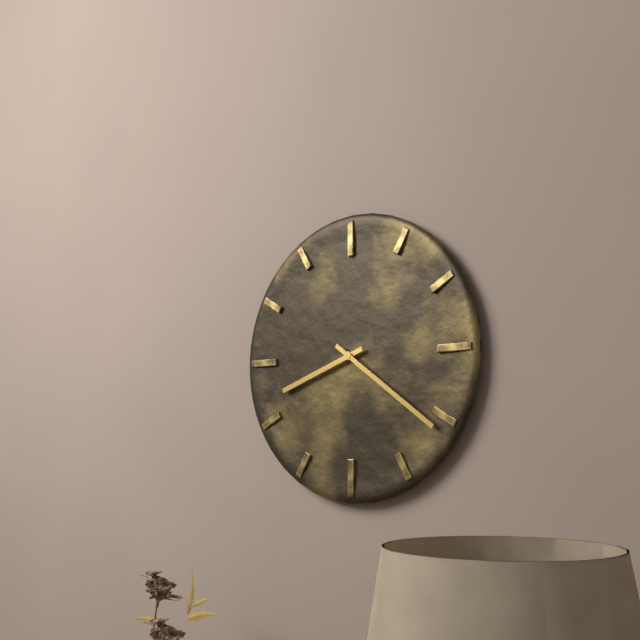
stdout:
**8:21**
